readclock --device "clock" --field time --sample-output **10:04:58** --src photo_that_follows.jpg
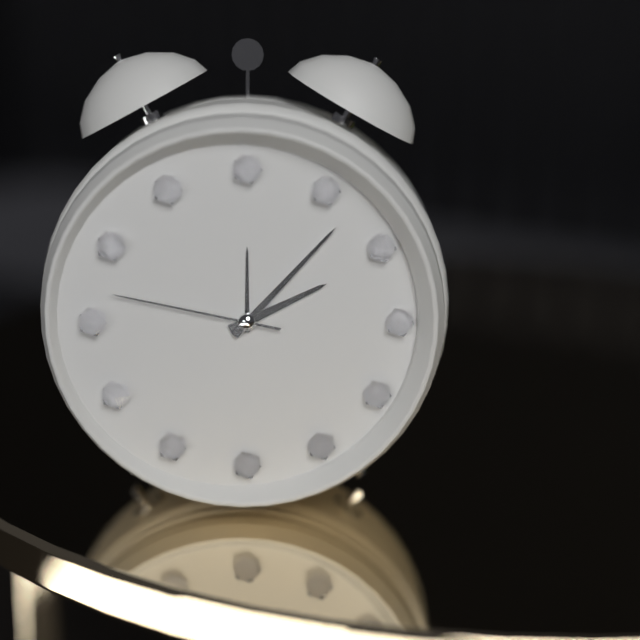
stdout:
**2:07:47**
